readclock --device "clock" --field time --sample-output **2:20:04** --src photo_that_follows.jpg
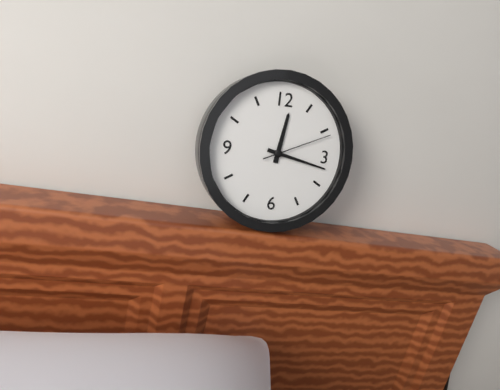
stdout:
**12:17:11**
